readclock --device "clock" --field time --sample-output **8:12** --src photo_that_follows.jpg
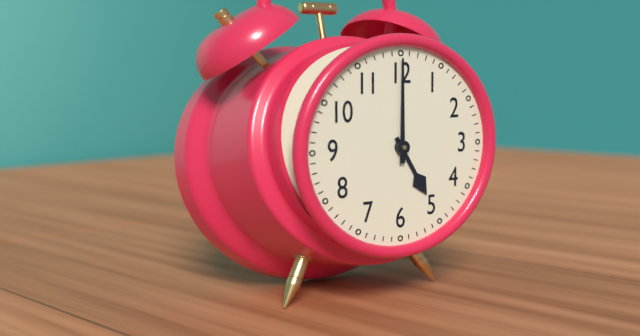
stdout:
**5:00**
